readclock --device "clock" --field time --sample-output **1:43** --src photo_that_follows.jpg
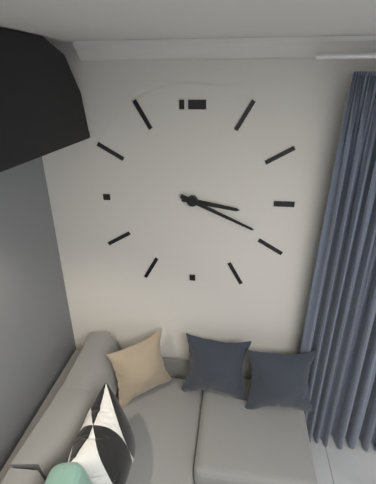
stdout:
**3:19**
